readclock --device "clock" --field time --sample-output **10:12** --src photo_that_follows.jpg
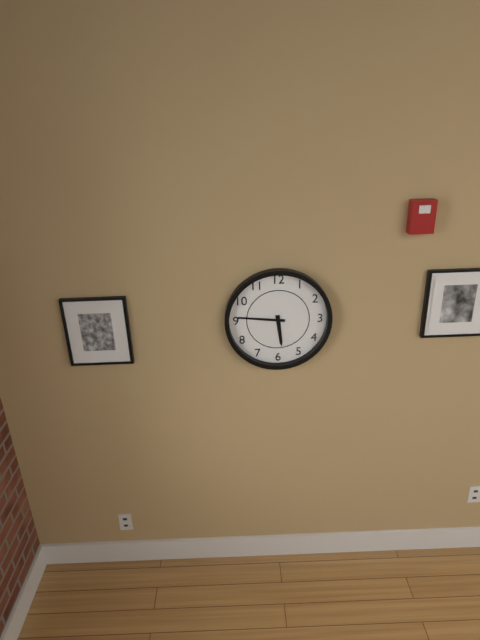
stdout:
**5:46**
